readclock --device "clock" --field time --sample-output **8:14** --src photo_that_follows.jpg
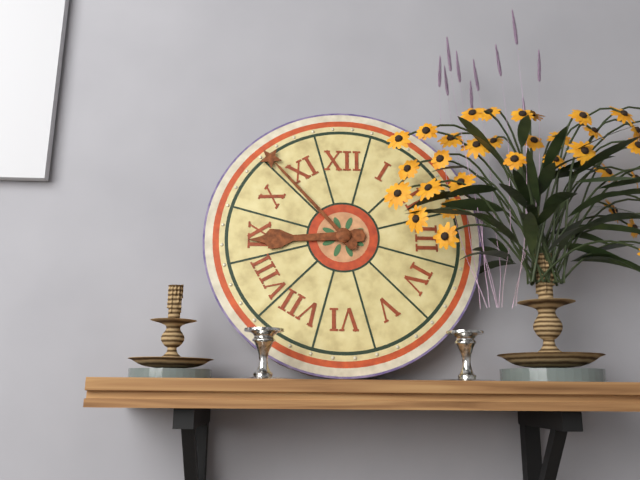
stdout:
**8:53**
